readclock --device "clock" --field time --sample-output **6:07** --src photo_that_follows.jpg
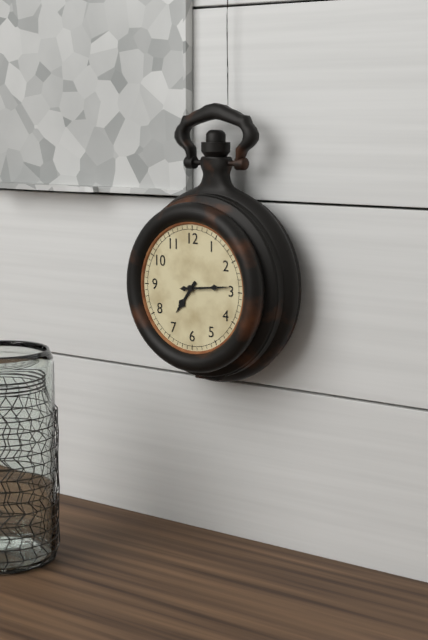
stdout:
**7:14**
